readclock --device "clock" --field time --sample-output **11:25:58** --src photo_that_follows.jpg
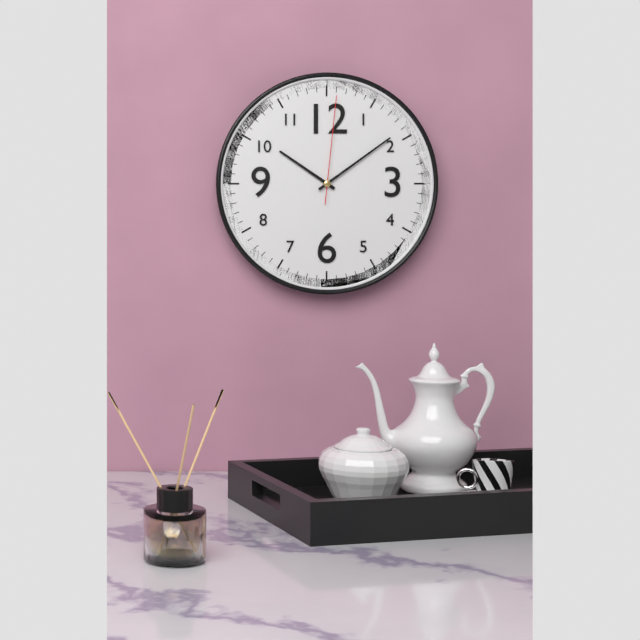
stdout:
**10:09:01**
